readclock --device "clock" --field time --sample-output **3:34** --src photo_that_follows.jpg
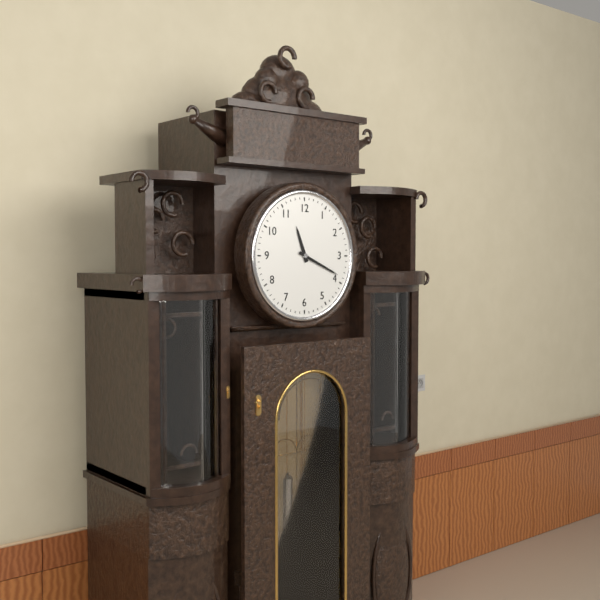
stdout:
**11:19**
